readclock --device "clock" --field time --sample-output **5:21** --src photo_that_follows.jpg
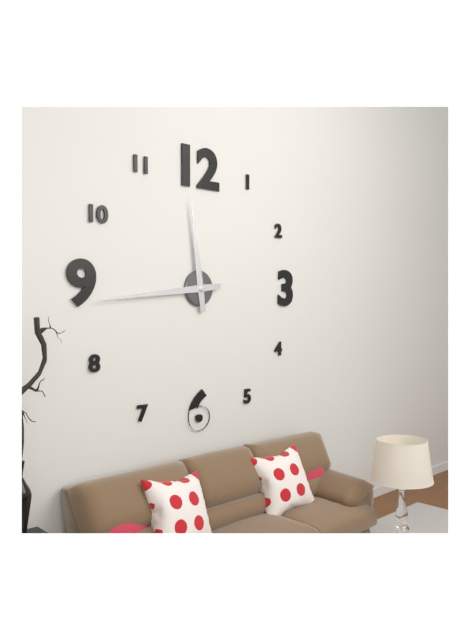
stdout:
**11:44**
